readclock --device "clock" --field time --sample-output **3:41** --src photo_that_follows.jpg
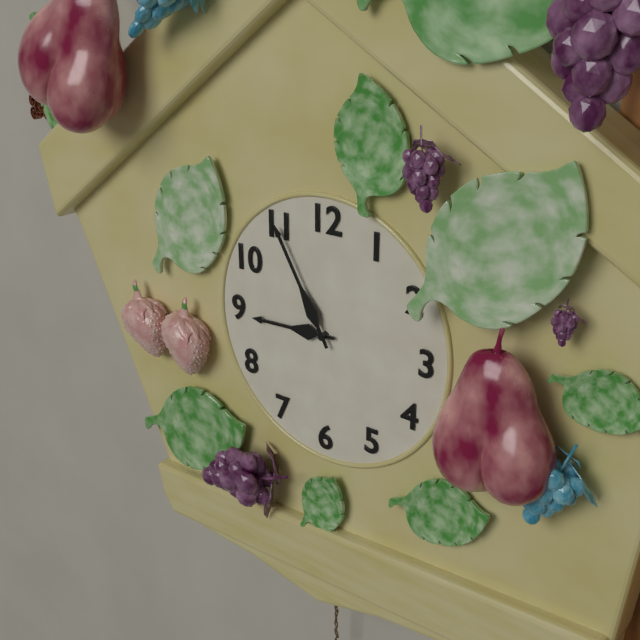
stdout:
**8:55**
